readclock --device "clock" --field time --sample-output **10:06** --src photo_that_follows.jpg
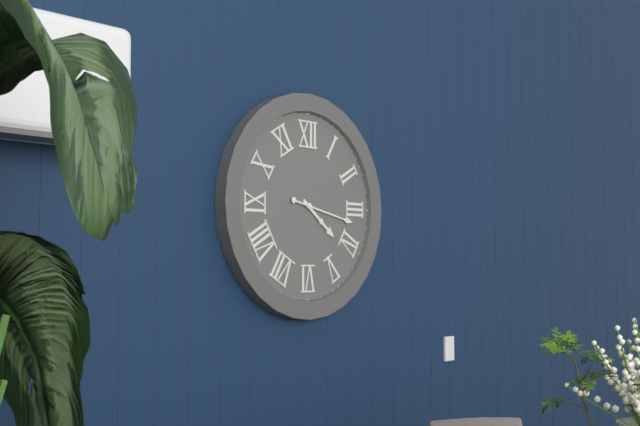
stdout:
**4:17**
